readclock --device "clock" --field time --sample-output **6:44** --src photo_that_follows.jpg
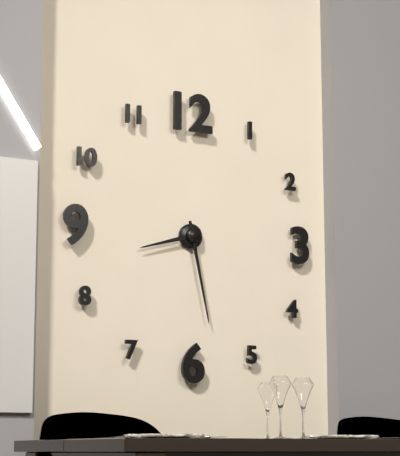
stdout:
**8:28**
